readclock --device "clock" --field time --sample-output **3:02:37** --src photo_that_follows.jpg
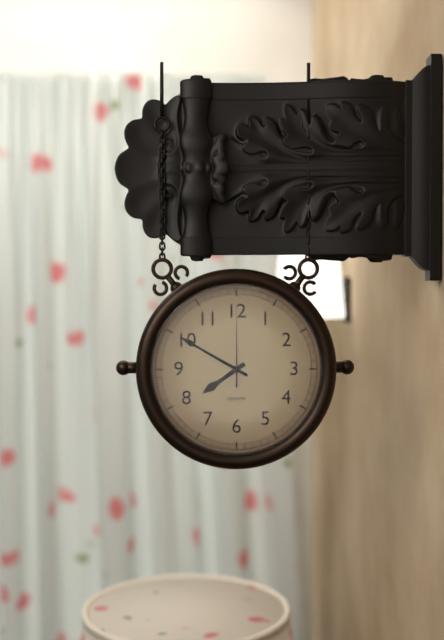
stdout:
**7:50:00**
